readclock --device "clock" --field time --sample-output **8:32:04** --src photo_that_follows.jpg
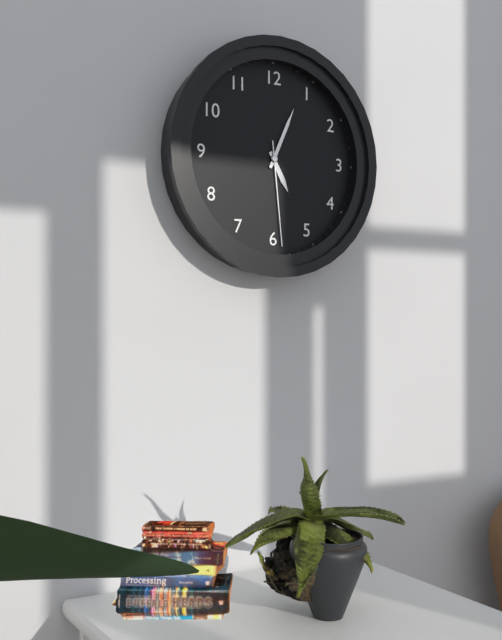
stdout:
**5:04:29**
